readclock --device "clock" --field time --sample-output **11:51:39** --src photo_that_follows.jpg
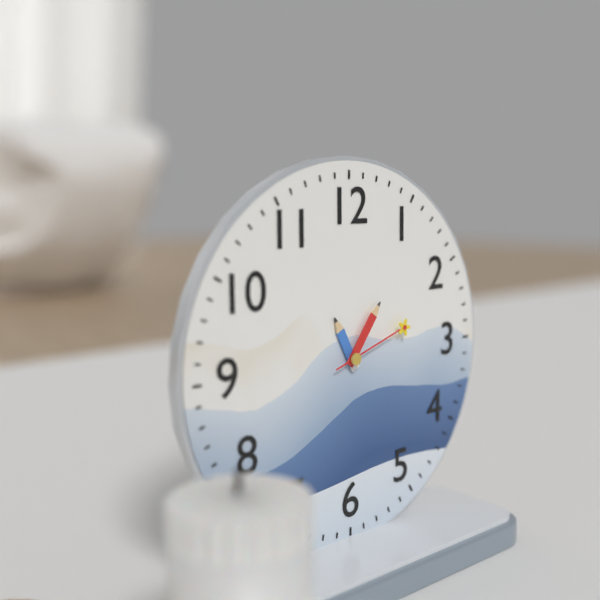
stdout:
**11:06:12**
